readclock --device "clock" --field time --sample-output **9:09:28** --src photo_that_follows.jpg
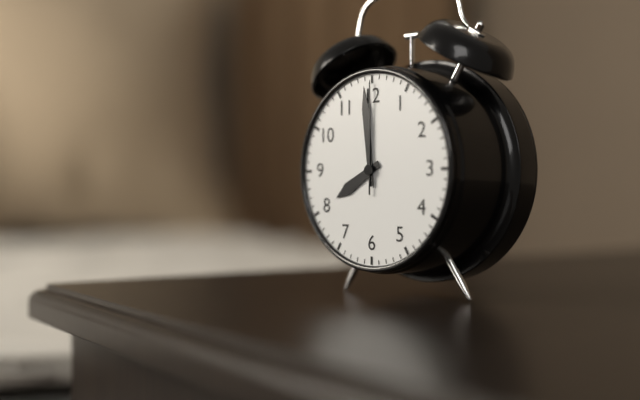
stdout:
**7:59:00**
